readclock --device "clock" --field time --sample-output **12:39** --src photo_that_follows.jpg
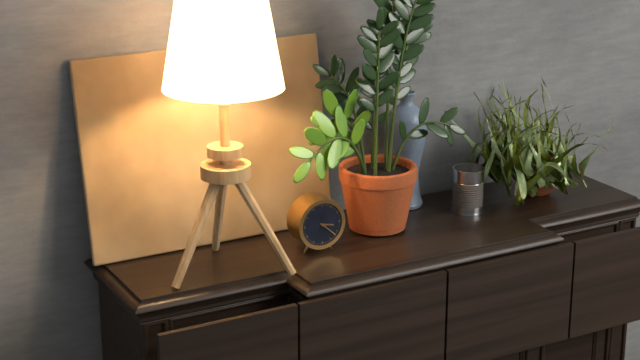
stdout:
**3:22**
